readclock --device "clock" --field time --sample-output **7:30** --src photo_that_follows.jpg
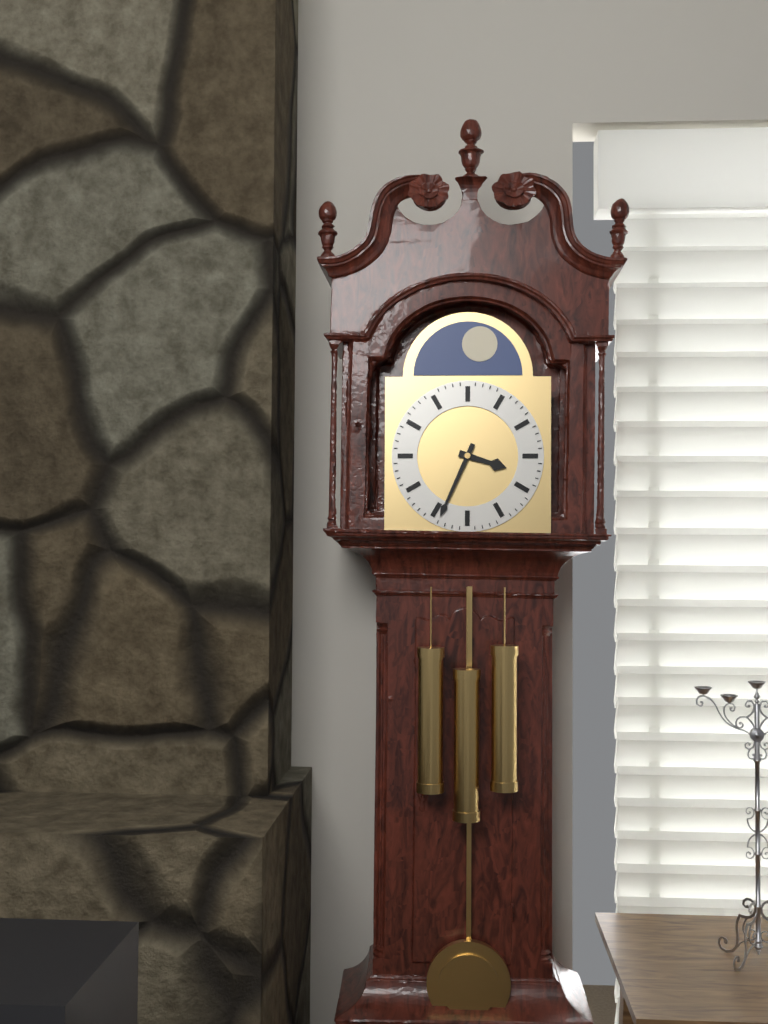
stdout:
**3:34**
